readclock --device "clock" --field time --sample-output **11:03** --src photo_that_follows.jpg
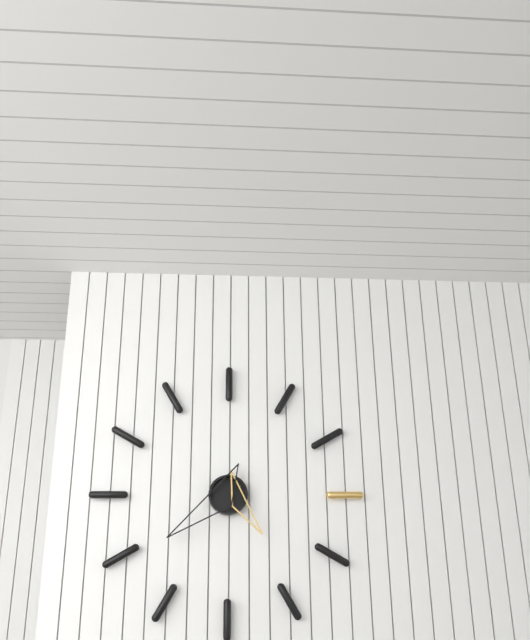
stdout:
**4:39**
